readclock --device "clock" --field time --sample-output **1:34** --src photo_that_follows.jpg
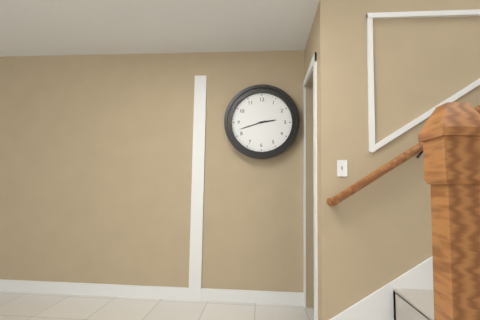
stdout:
**2:42**
